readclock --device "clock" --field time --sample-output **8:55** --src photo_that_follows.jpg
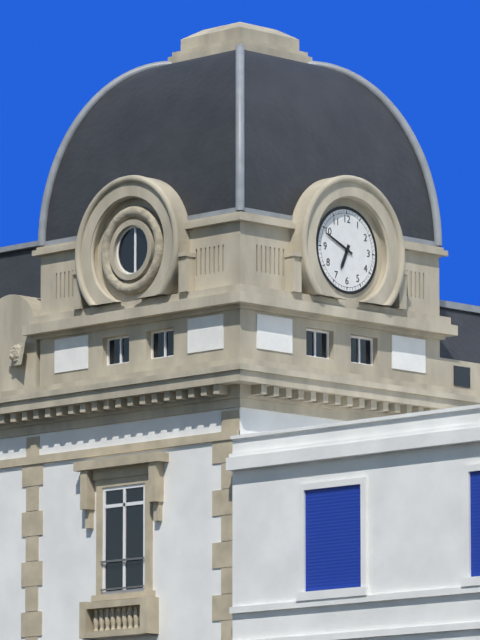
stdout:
**6:49**
